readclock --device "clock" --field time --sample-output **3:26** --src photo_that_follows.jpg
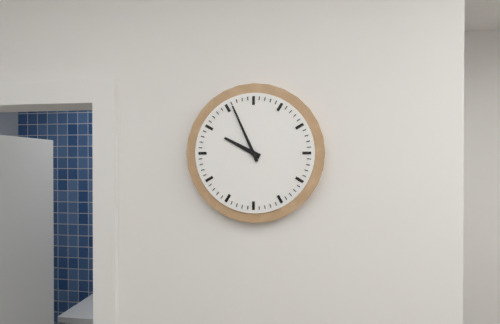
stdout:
**9:56**
